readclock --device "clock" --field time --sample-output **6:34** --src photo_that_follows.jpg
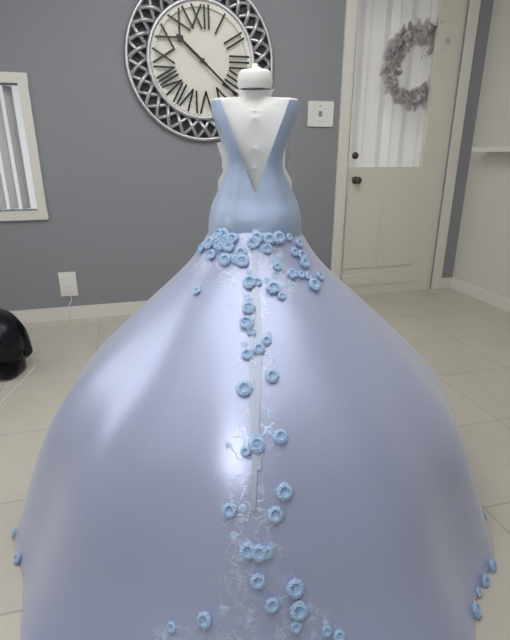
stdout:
**10:22**
